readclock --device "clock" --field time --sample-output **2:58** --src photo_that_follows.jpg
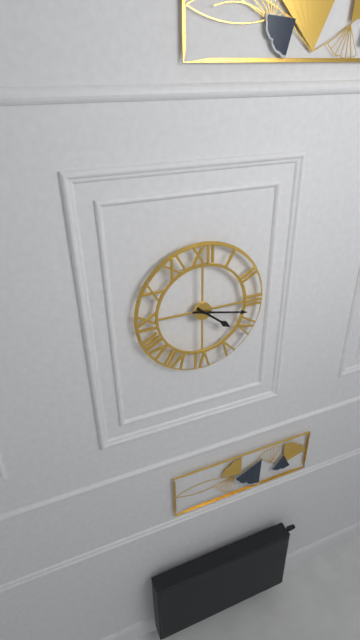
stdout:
**4:17**
